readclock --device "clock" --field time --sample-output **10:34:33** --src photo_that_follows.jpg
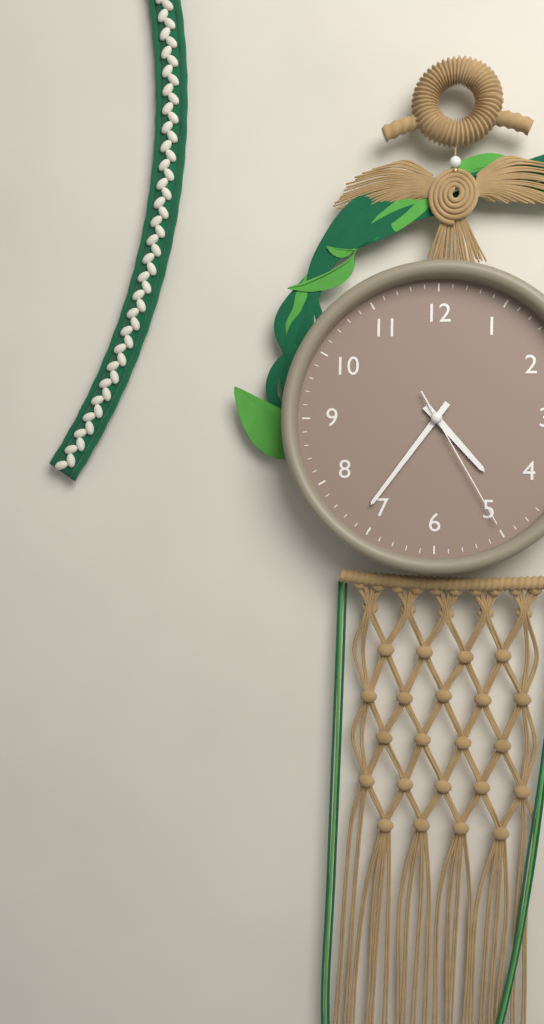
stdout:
**4:36:25**
